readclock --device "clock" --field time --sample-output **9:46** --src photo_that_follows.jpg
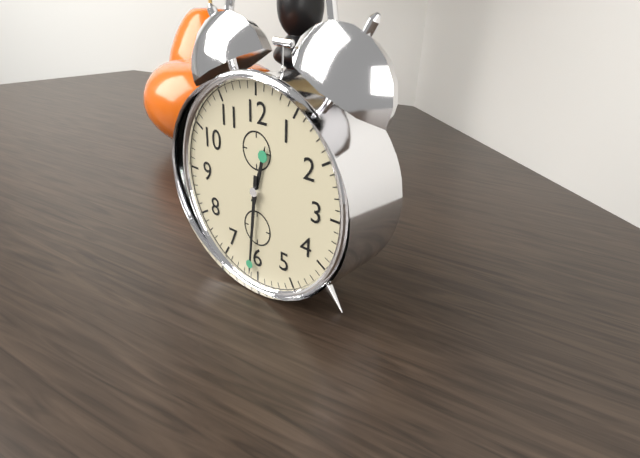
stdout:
**12:31**
